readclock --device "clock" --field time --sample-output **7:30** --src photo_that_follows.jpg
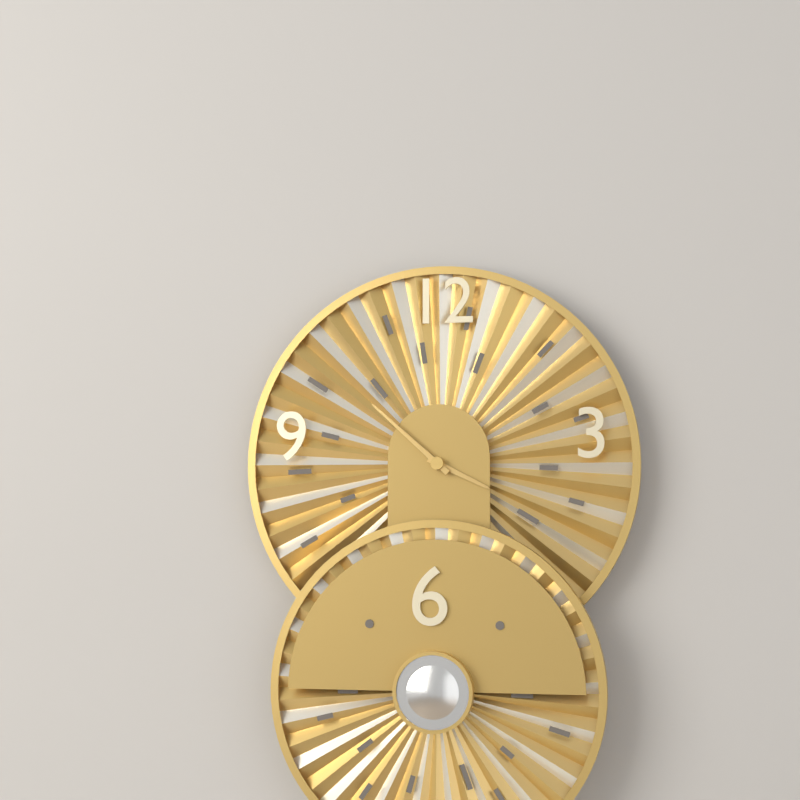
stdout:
**3:52**
